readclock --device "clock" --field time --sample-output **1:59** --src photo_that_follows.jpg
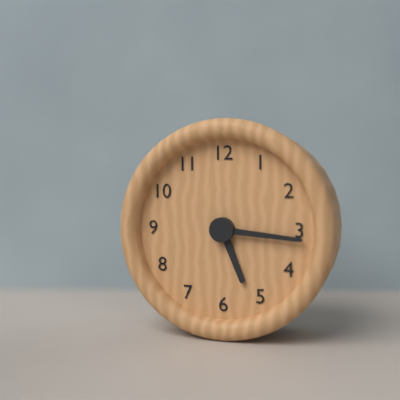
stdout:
**5:16**
